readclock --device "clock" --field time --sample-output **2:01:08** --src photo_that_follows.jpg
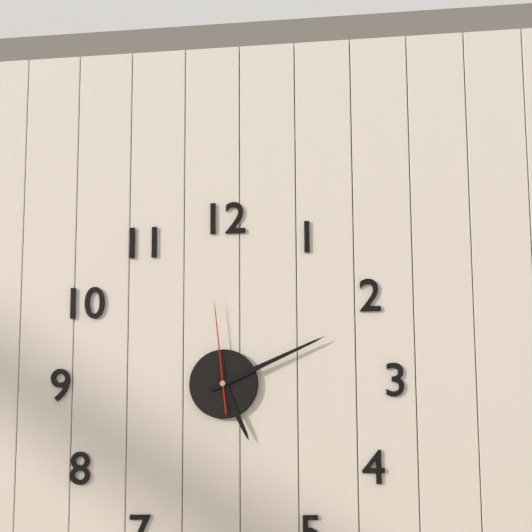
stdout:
**5:11:59**
